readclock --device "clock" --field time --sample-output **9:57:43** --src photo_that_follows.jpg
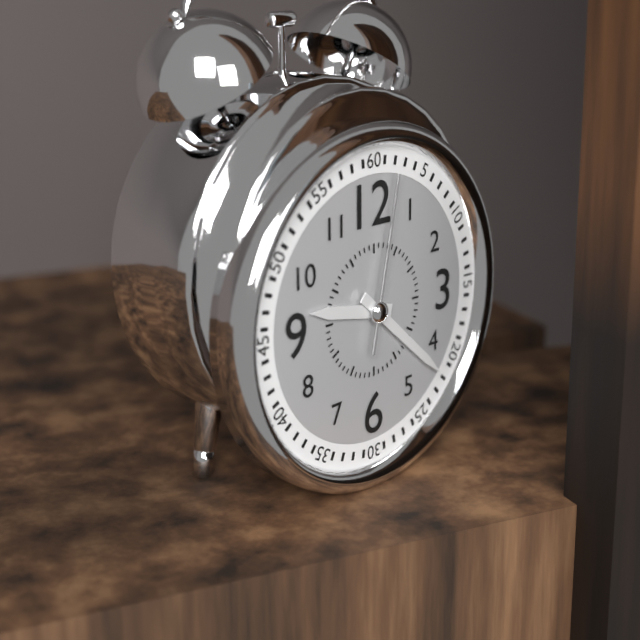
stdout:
**9:22:02**
